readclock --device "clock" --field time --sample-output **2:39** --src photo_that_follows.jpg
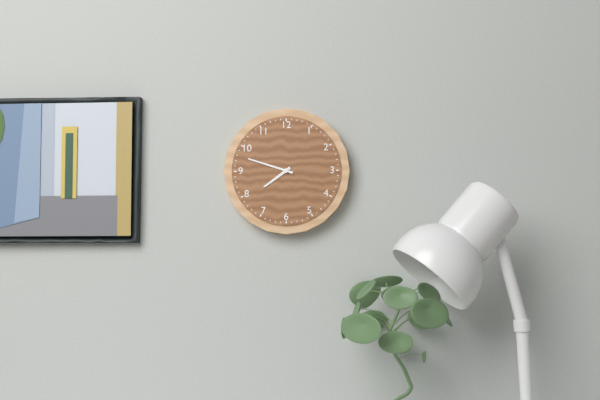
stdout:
**7:48**
